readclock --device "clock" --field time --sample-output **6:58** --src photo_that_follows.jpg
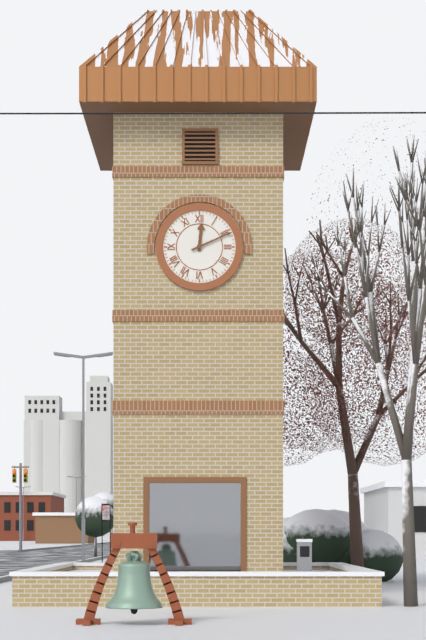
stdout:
**12:11**
